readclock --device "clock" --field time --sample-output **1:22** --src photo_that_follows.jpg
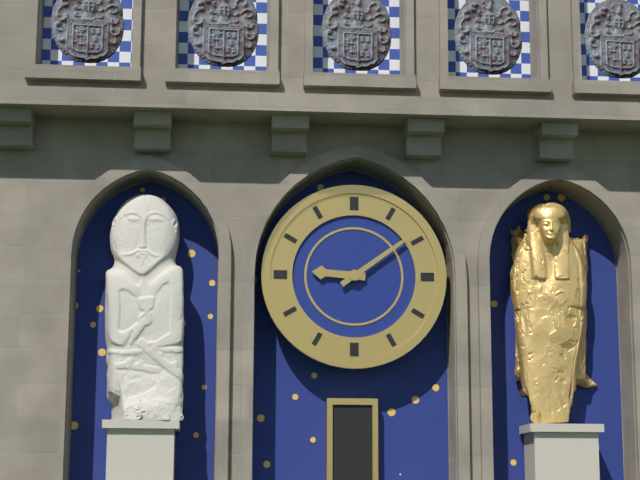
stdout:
**9:09**
